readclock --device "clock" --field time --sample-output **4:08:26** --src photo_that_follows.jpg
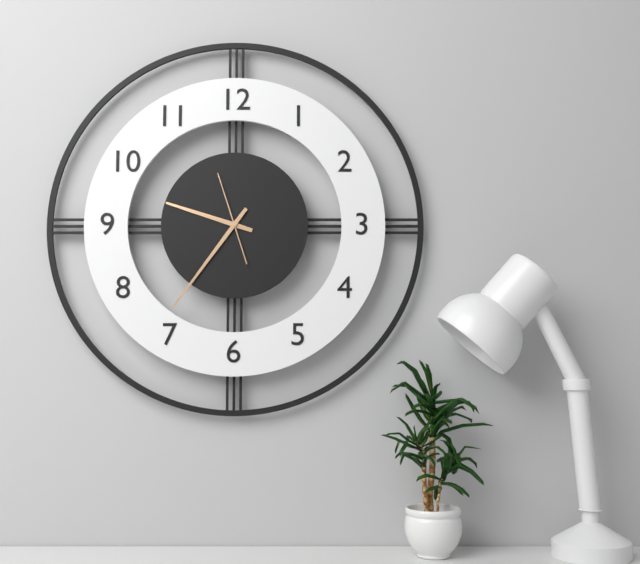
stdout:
**9:36:57**
